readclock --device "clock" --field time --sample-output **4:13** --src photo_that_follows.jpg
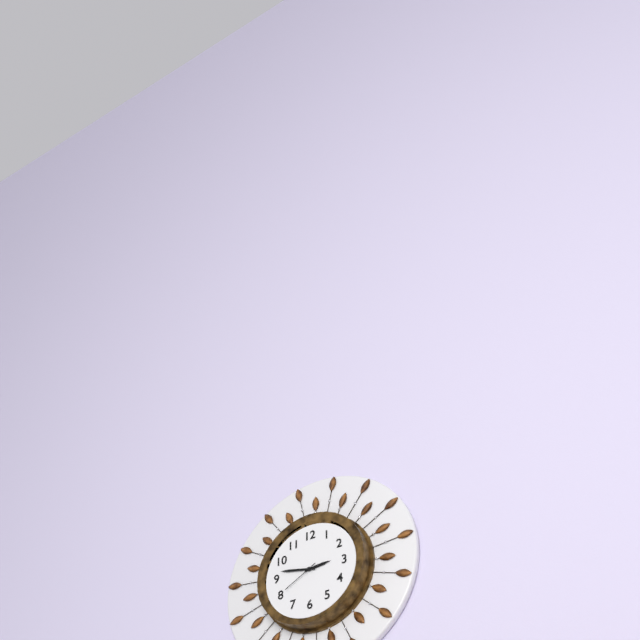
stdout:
**2:47**
